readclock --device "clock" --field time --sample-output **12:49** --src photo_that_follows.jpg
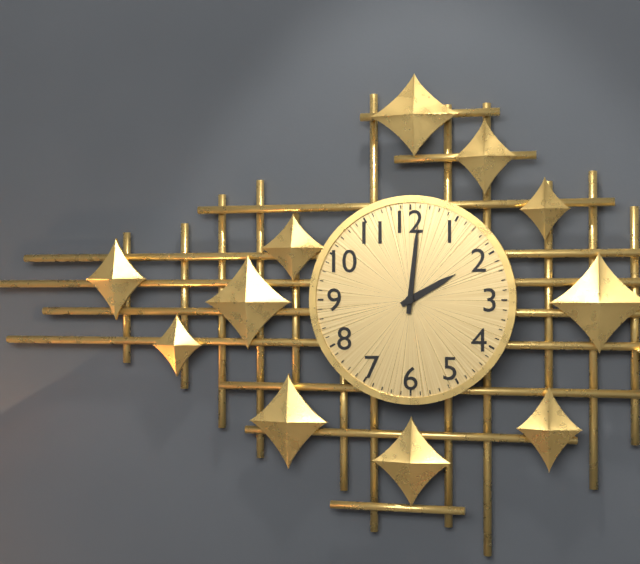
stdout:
**2:01**
